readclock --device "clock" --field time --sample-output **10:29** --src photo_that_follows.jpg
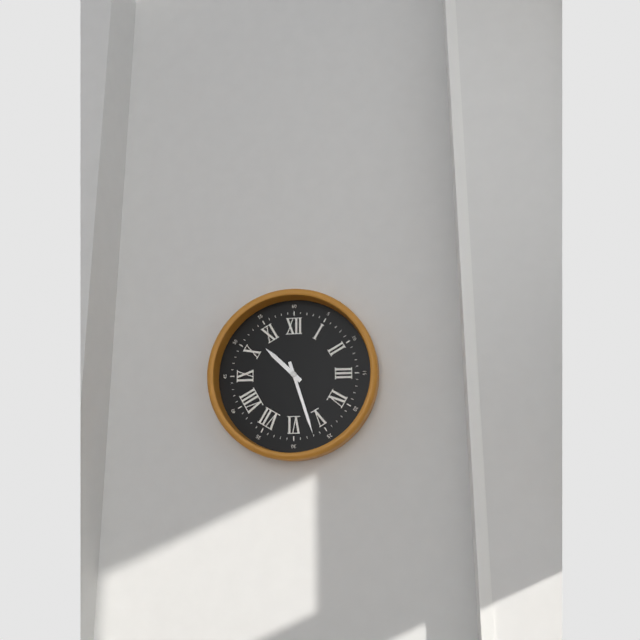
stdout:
**10:27**
